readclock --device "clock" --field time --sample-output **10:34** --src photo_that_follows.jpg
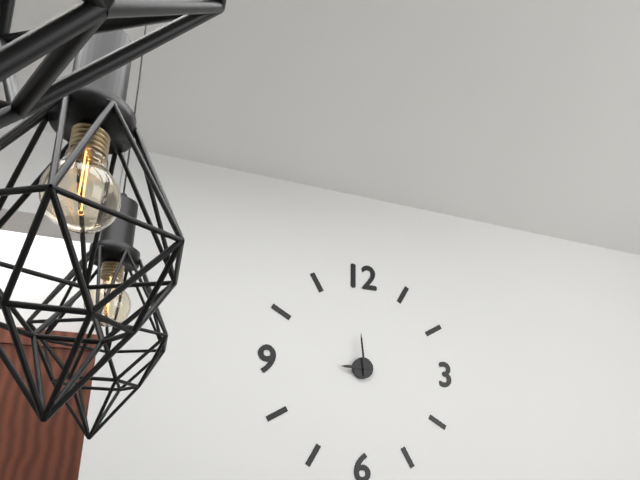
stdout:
**8:59**
